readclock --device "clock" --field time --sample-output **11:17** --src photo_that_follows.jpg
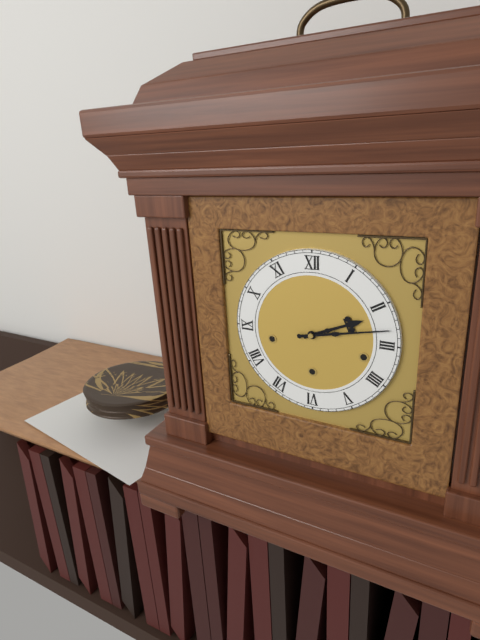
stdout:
**2:13**
